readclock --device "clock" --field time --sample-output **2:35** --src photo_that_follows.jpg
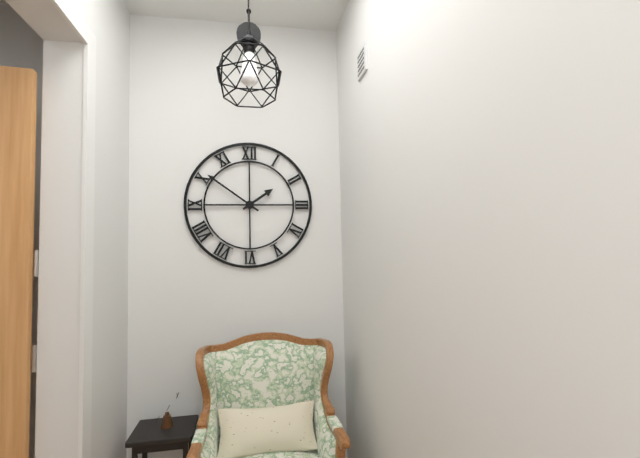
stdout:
**1:51**
